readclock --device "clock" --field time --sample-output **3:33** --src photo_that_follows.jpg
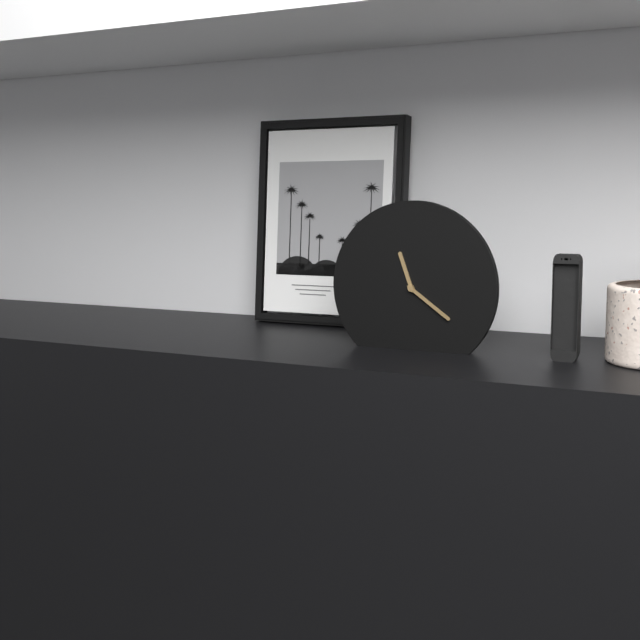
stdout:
**11:21**
